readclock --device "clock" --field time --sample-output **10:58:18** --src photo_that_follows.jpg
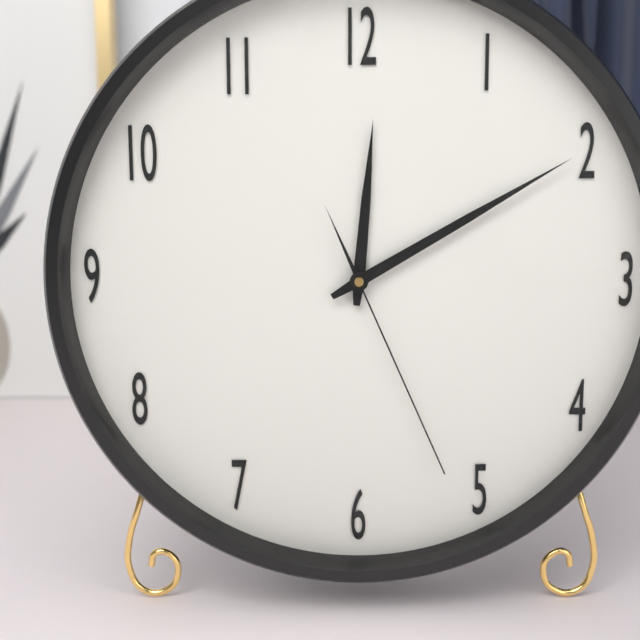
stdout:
**12:10:26**
